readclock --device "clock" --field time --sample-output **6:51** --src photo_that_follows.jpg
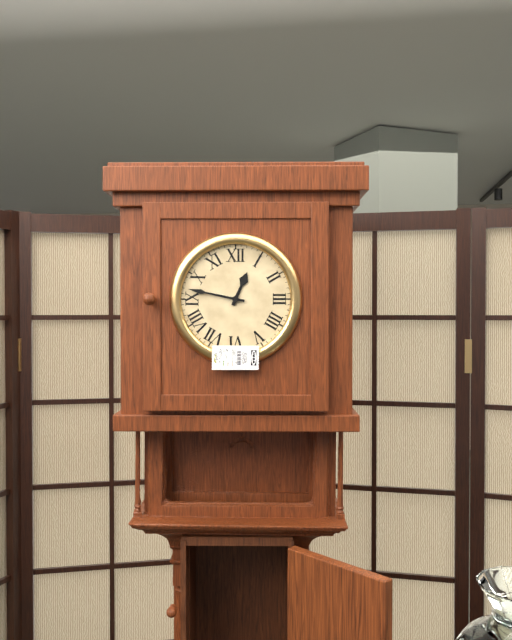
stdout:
**12:47**
